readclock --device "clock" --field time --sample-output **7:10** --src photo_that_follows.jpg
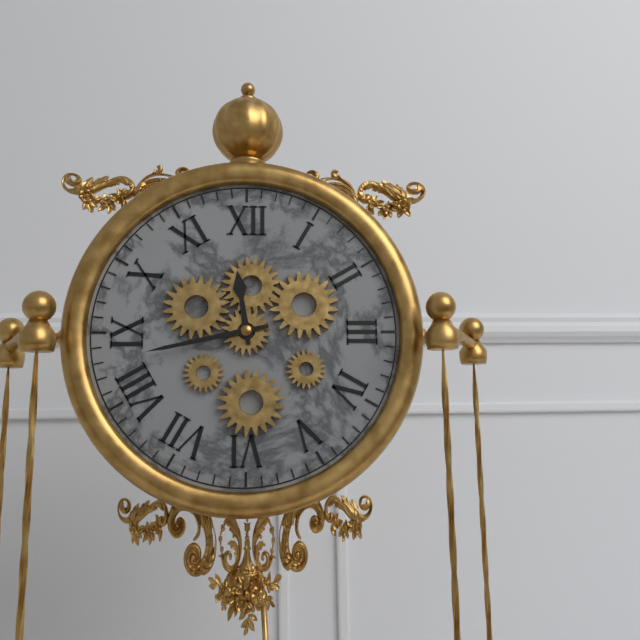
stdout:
**11:43**
